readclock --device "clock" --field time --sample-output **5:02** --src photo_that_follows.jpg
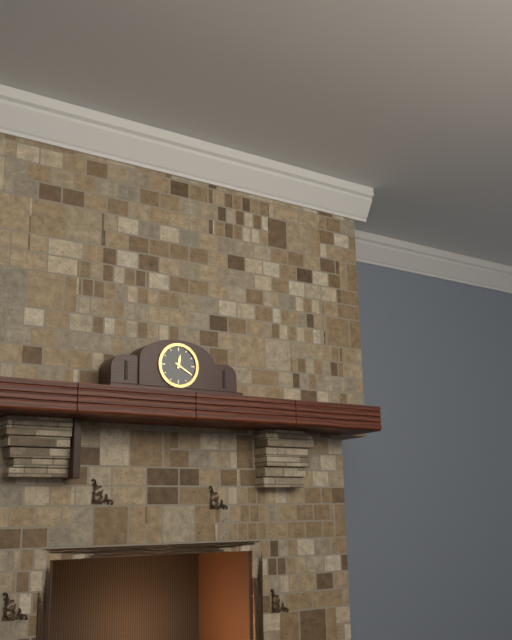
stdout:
**12:20**
